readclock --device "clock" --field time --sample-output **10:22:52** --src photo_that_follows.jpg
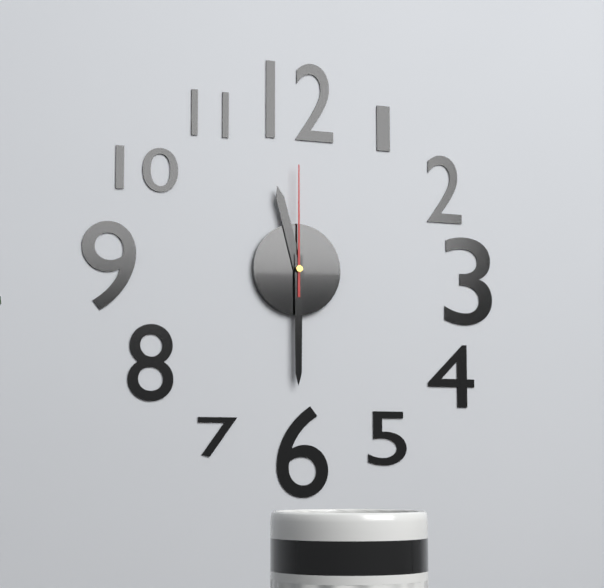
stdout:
**11:30:00**
